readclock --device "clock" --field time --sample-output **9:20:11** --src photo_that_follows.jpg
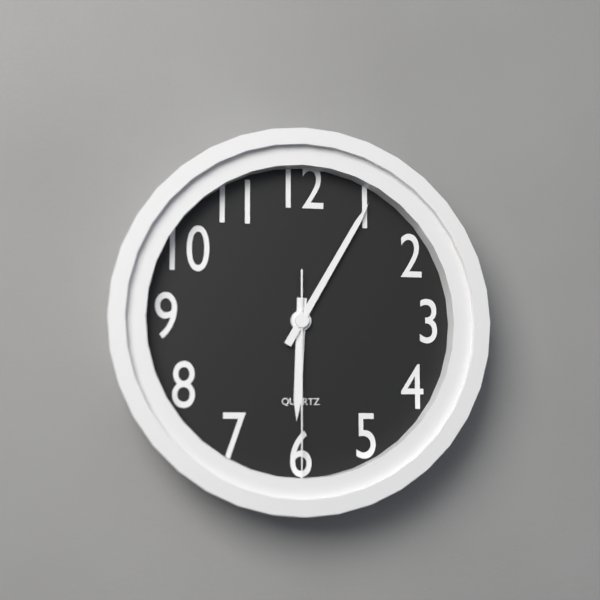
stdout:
**6:05:30**
